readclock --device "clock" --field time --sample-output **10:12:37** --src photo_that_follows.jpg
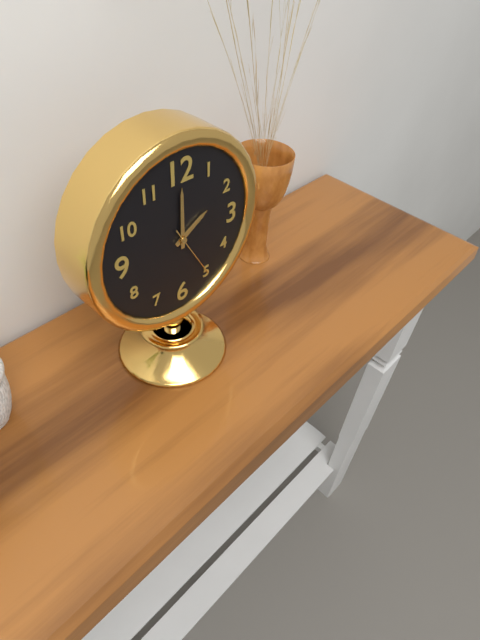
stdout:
**2:00:25**
